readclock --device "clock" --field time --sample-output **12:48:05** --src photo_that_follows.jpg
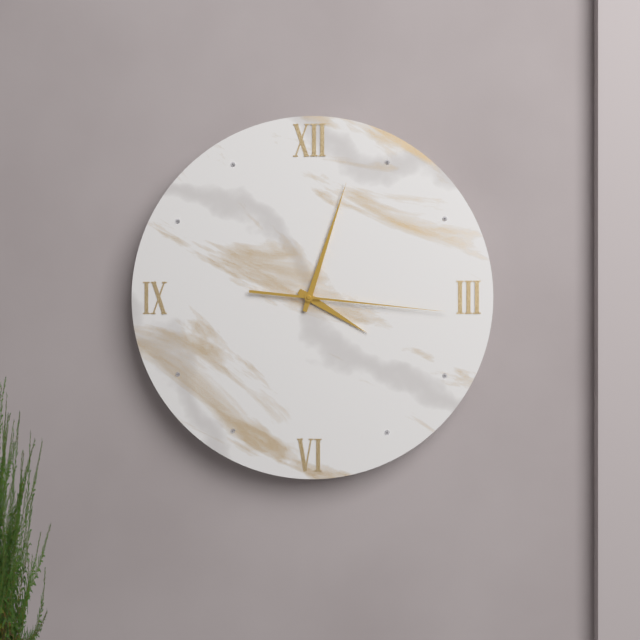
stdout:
**4:03:16**
